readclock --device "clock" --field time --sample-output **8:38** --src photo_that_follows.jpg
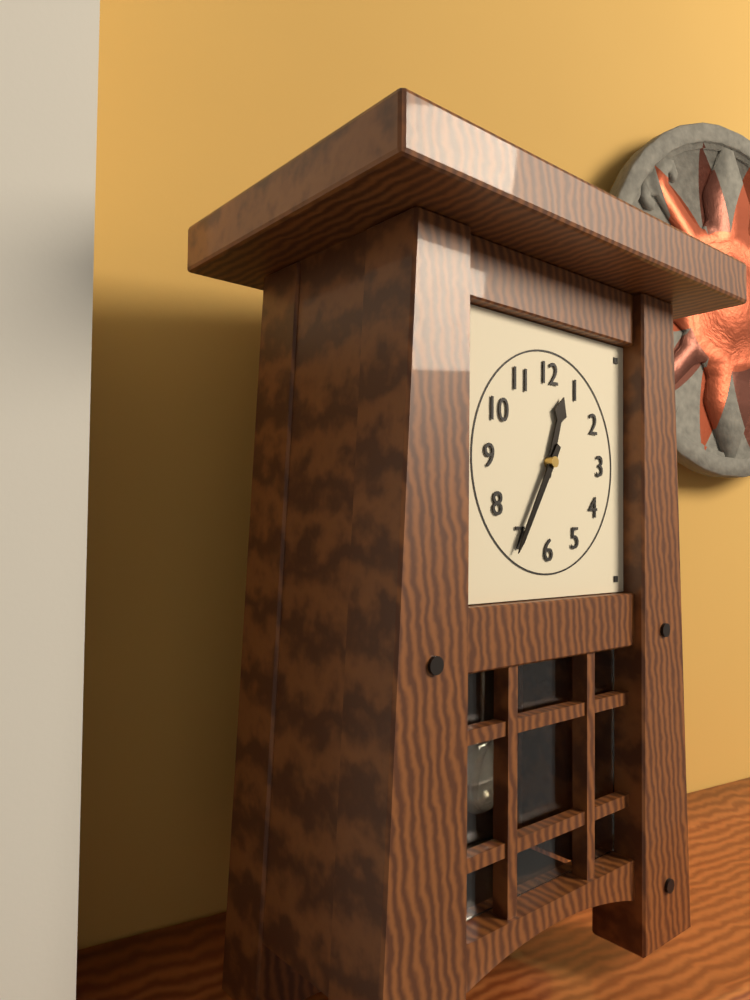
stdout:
**12:35**
